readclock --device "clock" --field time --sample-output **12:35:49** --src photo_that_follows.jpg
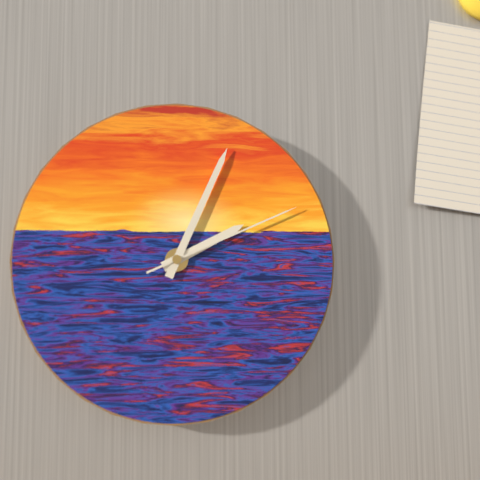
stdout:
**2:04:11**
